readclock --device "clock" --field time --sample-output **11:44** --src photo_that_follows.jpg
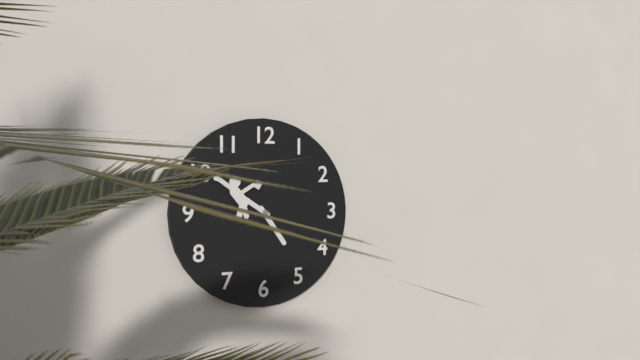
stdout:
**4:50**
